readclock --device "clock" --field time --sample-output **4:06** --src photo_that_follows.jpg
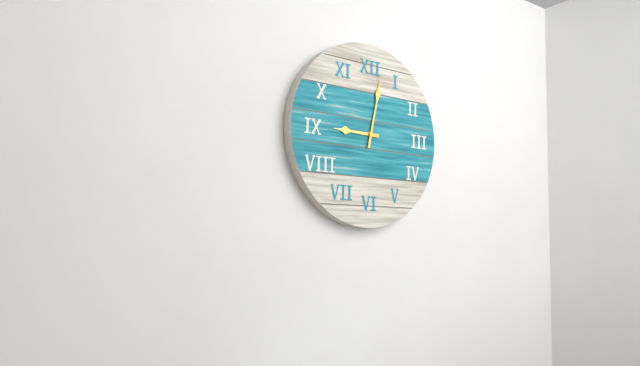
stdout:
**9:02**
